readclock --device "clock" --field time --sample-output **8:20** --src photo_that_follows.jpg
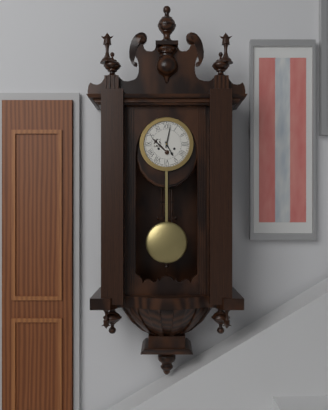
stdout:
**5:02**
